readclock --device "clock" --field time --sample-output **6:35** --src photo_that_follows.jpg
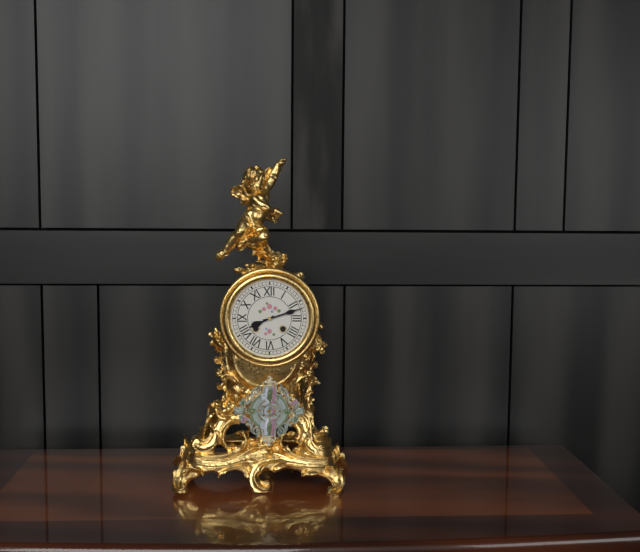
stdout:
**8:12**
